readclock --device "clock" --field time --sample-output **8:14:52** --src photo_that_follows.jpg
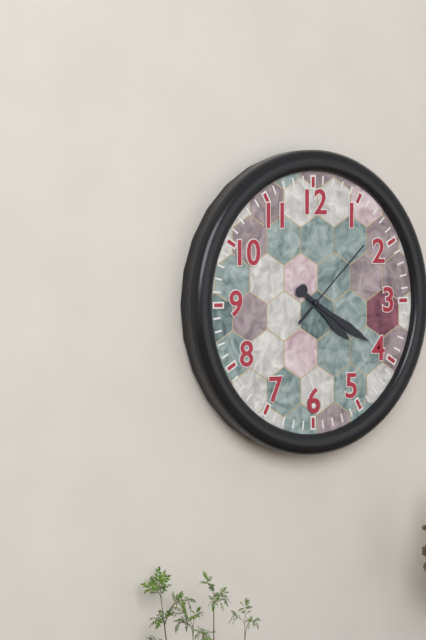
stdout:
**4:20:08**
